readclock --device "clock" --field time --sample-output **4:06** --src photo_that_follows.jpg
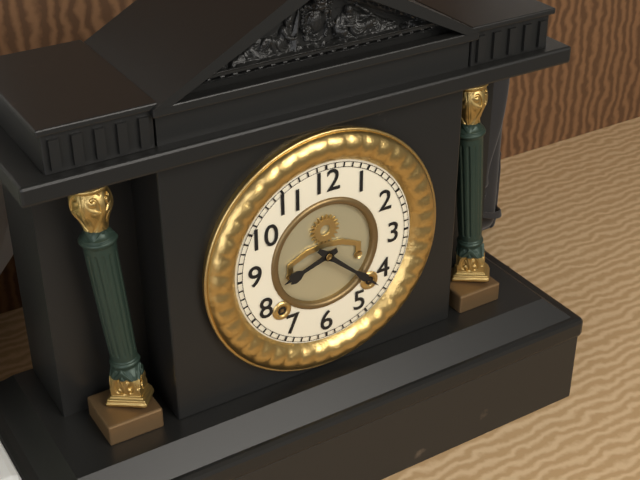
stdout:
**8:22**
